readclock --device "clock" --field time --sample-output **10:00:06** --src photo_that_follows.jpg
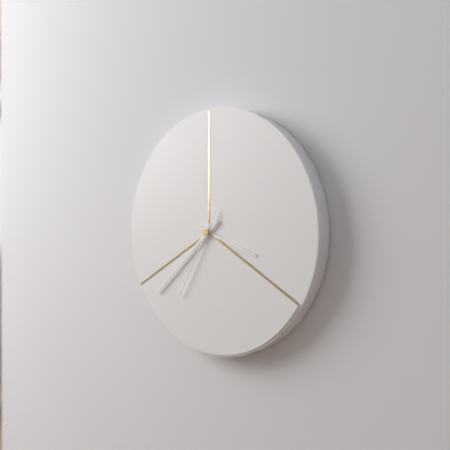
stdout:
**3:38:35**
